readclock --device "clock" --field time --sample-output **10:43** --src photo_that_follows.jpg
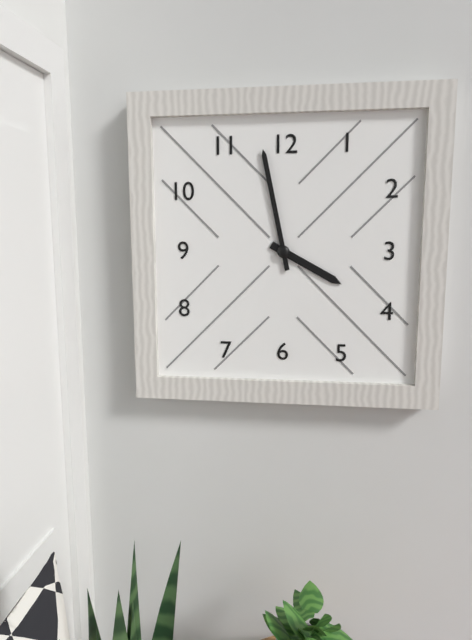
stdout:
**3:58**
